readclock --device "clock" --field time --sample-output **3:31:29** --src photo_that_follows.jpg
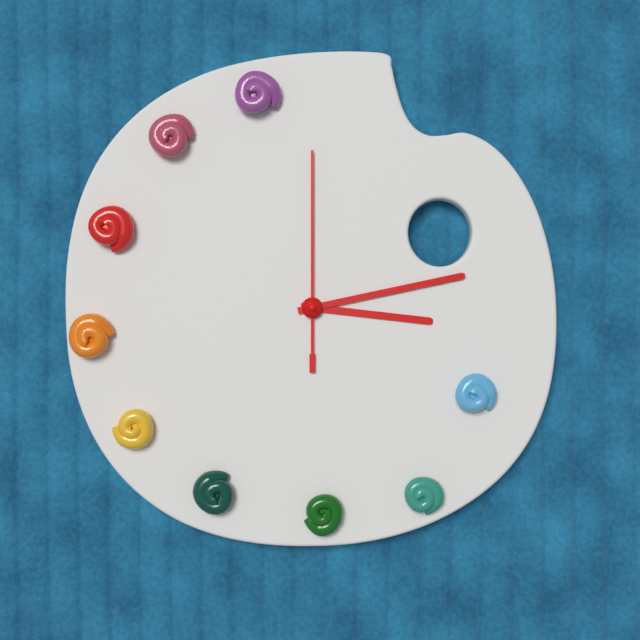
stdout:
**3:13:00**
